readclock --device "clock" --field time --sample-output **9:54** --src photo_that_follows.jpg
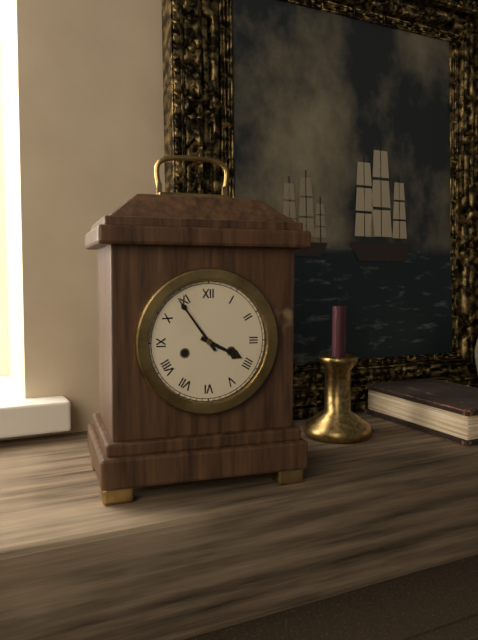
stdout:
**3:54**
